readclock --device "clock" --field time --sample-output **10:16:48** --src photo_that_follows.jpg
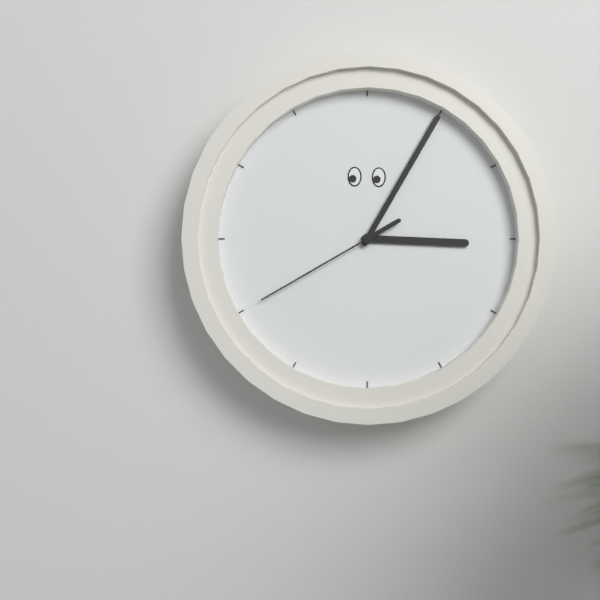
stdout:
**3:05:40**
